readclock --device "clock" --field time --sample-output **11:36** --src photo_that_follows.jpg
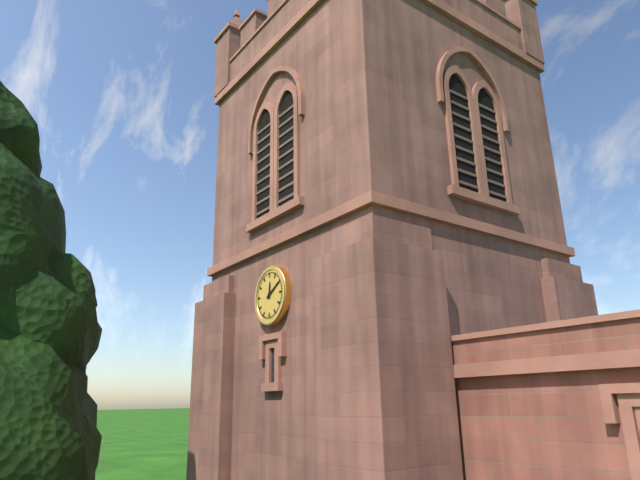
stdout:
**12:10**
